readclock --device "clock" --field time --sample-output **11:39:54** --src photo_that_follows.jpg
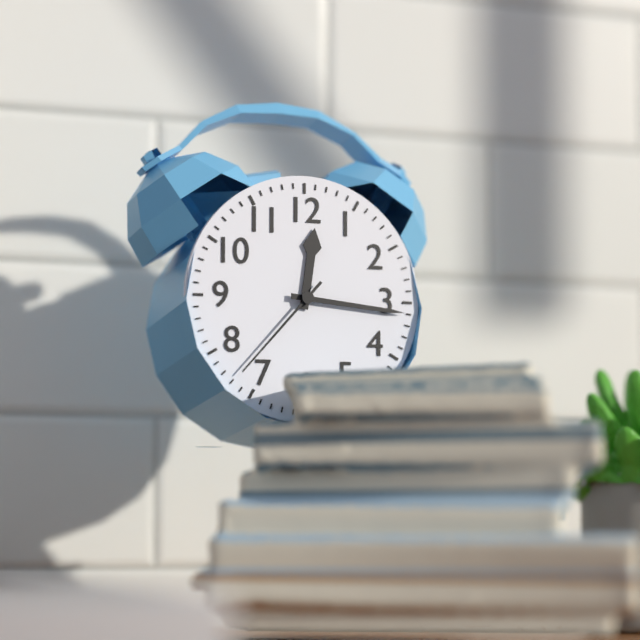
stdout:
**12:16:37**
